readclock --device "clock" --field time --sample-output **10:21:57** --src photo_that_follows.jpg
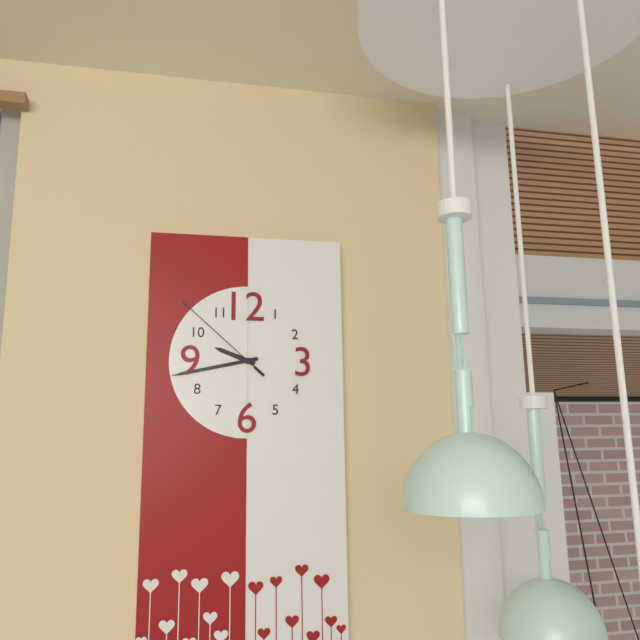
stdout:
**9:43:52**
